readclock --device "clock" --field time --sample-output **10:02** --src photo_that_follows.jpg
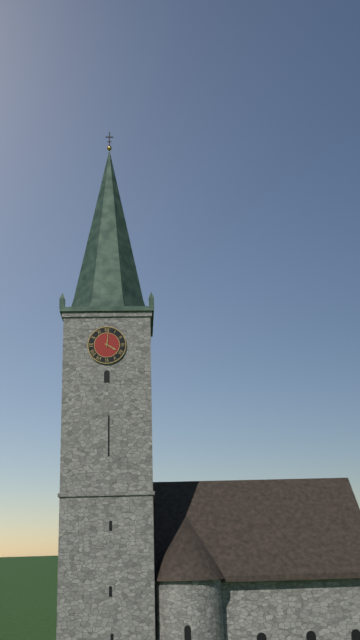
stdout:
**4:01**
